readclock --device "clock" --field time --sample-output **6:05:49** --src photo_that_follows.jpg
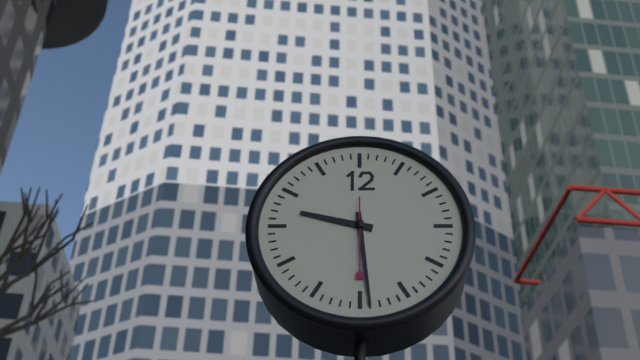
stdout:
**9:29:30**
